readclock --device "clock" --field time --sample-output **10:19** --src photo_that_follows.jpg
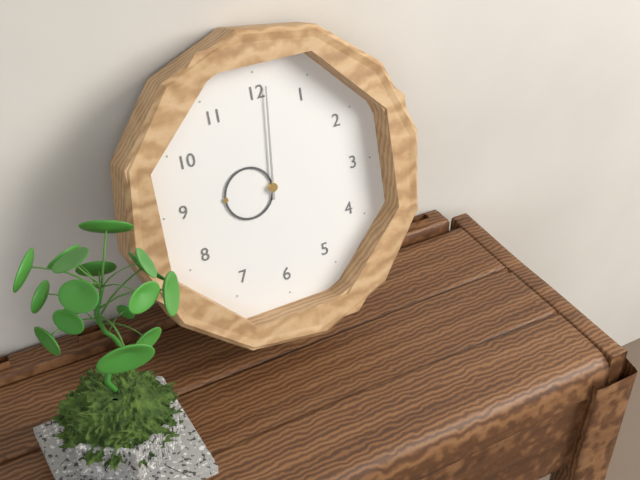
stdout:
**9:01**
